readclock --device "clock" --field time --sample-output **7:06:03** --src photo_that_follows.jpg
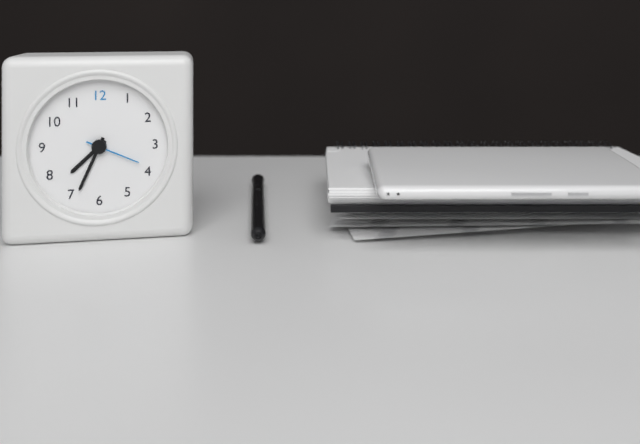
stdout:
**7:34:19**
